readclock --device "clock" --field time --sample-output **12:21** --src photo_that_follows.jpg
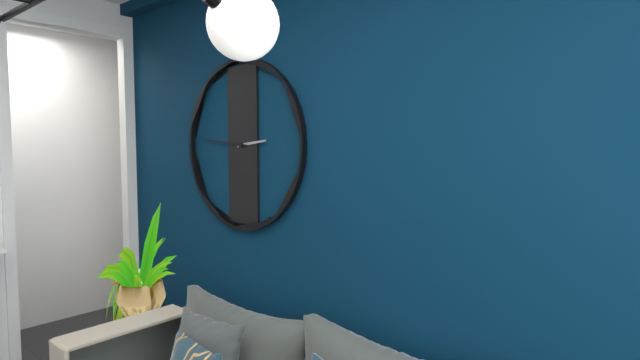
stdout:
**2:46**
